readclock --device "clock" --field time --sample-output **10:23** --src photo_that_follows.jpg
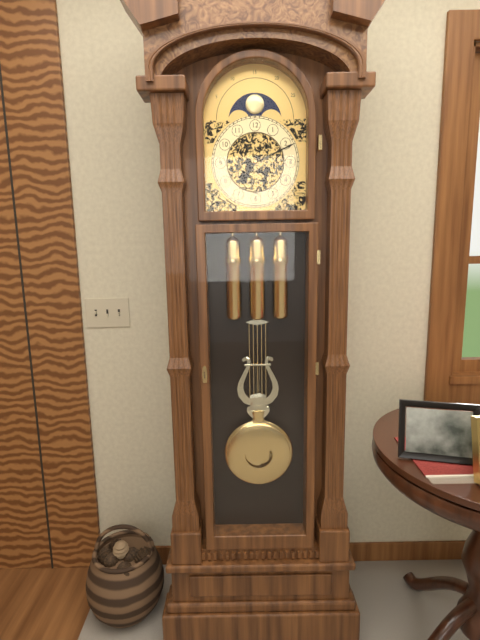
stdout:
**7:11**
